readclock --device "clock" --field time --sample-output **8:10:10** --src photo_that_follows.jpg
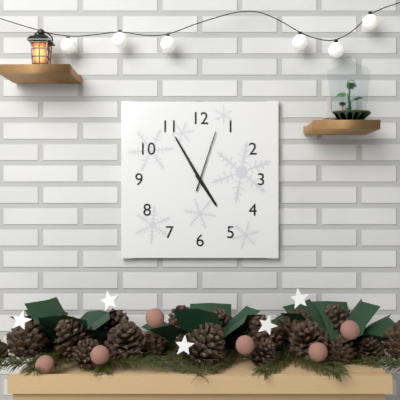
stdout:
**4:55:03**
